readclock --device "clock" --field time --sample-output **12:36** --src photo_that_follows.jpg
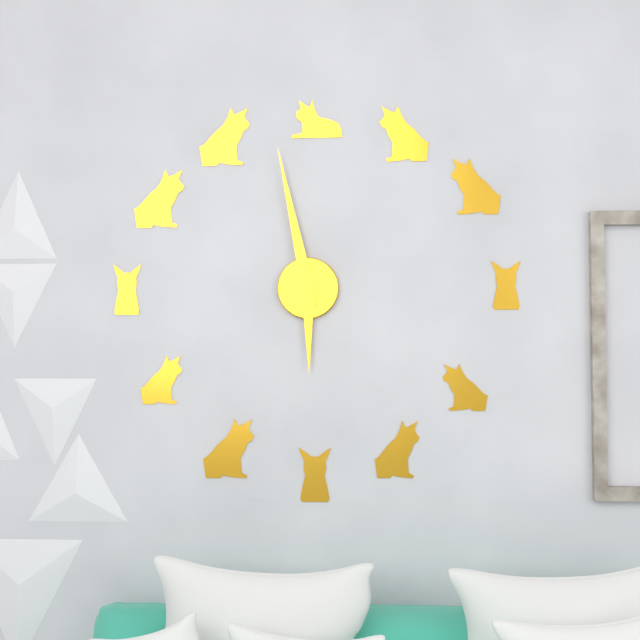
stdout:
**5:58**
